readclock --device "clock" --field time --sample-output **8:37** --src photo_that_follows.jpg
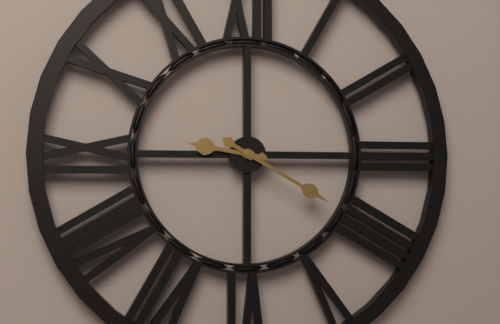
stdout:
**9:20**
